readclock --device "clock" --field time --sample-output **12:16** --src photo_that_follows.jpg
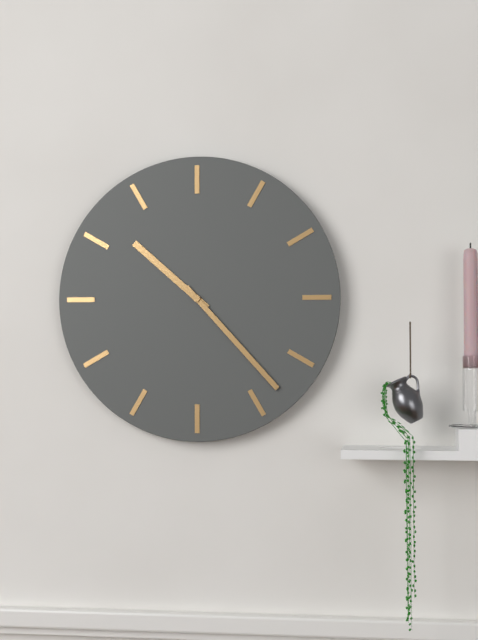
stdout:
**10:23**
